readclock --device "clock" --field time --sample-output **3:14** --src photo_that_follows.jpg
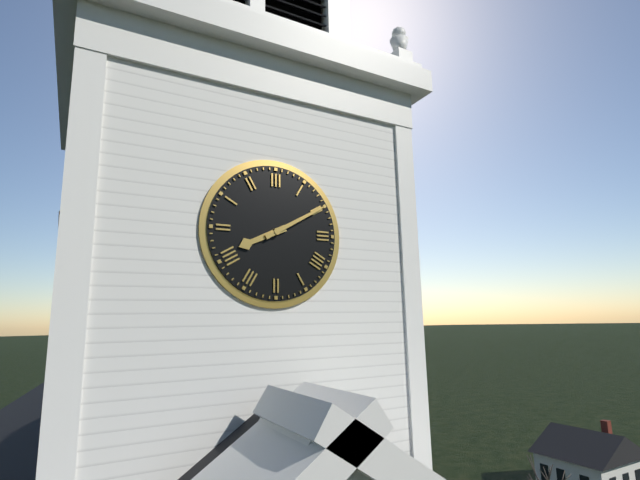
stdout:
**8:10**
